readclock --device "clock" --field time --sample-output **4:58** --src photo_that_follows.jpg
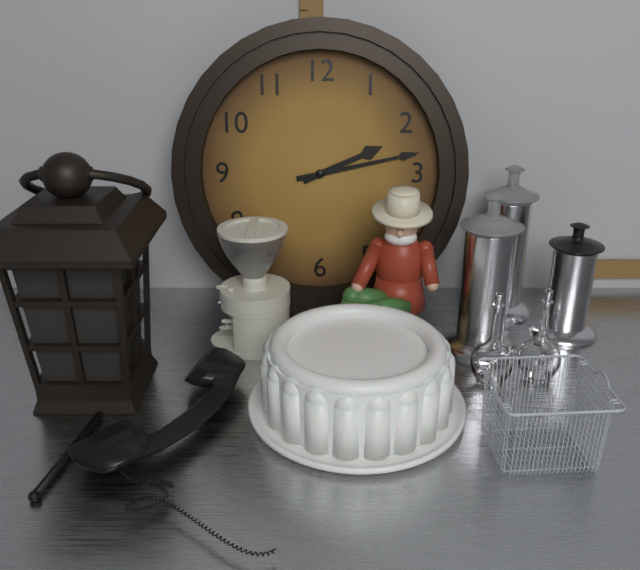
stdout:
**2:13**
